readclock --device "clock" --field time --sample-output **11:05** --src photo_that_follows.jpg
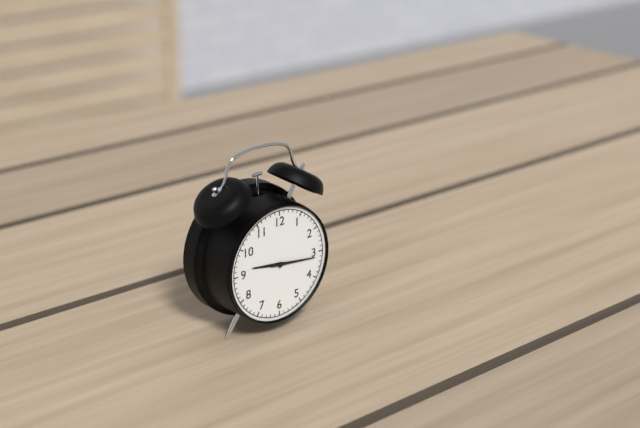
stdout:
**9:16**
